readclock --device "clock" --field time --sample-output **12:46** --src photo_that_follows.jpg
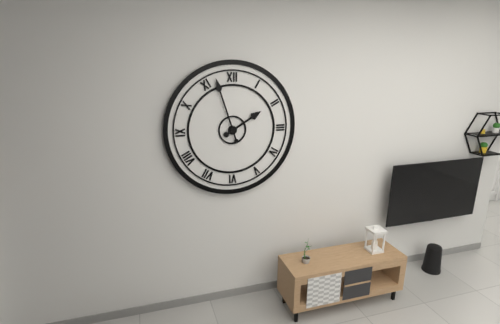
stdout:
**1:57**
